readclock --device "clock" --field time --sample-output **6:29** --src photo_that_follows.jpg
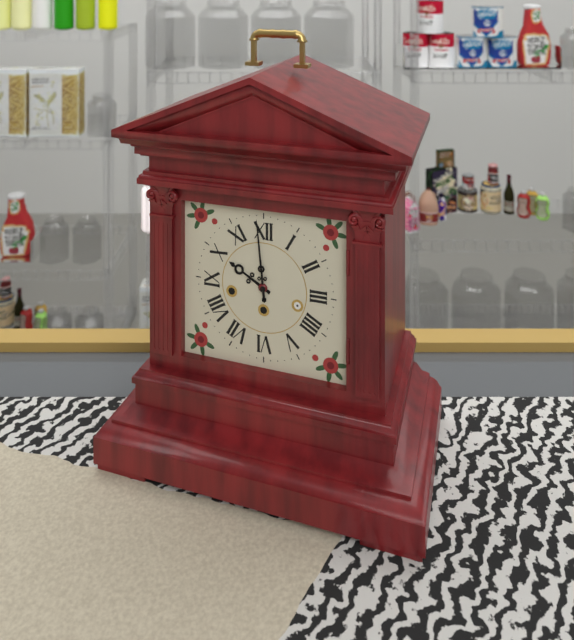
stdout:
**9:59**
